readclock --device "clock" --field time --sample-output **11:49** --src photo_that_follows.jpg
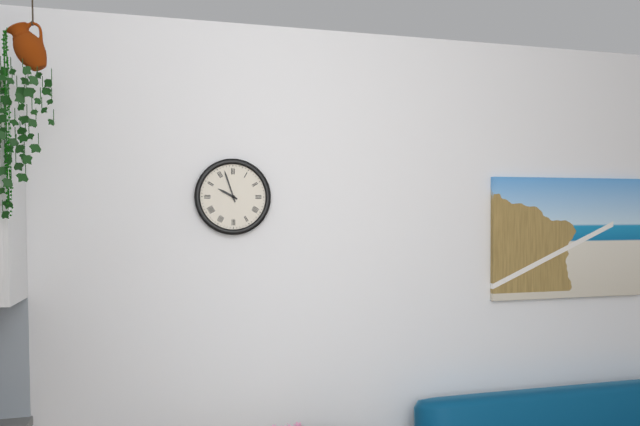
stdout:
**9:57**
